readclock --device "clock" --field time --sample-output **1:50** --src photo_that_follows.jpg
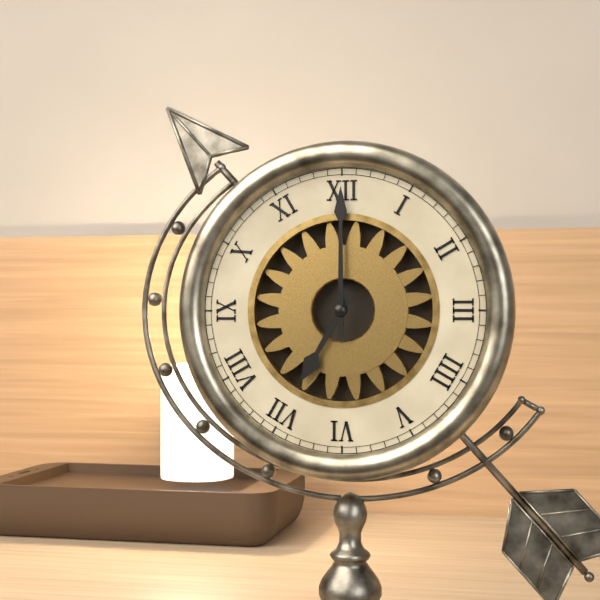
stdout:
**7:00**
